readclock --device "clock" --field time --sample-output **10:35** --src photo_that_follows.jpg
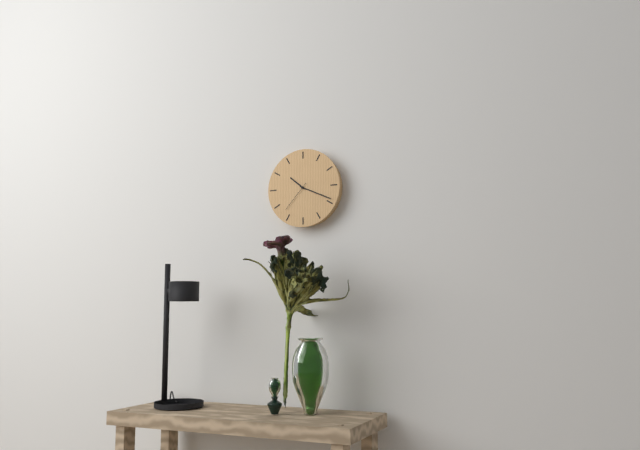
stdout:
**10:19**
